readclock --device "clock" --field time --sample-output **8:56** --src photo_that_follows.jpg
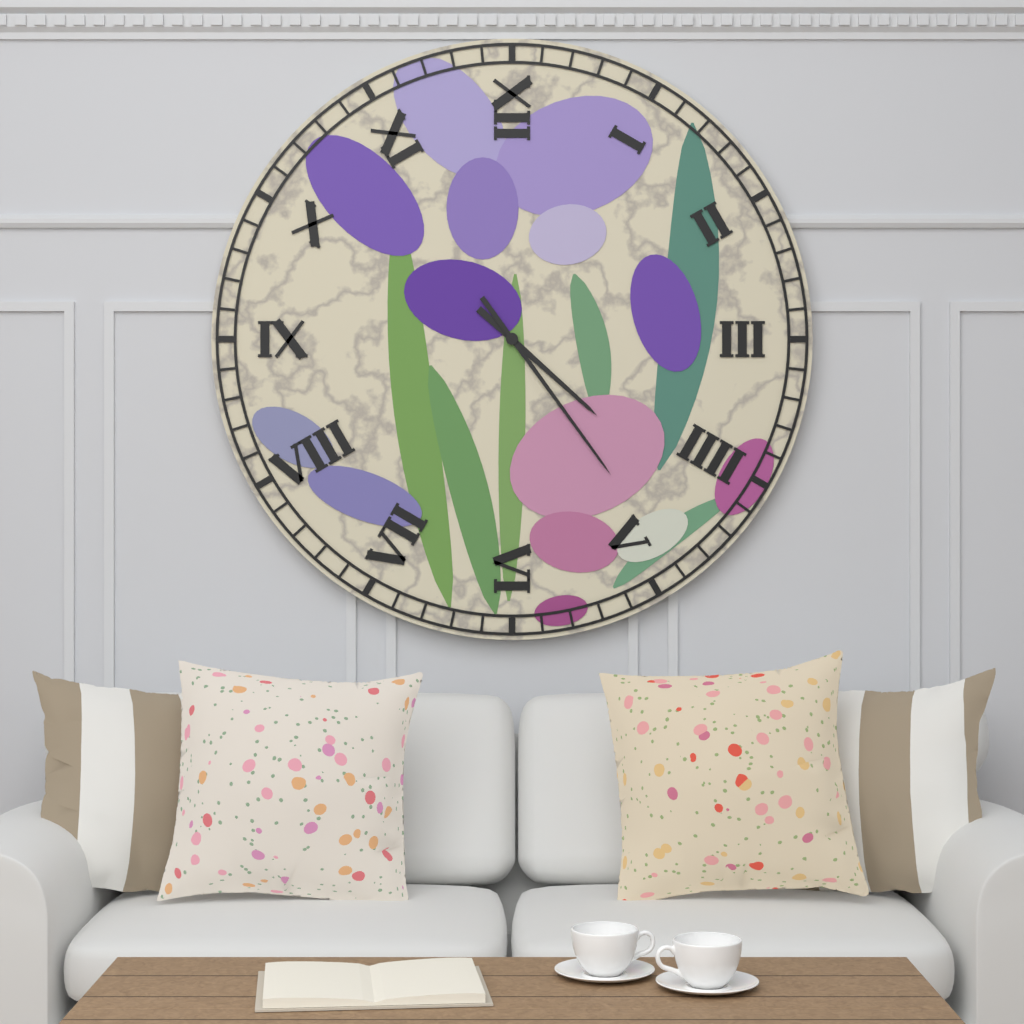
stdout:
**4:24**
